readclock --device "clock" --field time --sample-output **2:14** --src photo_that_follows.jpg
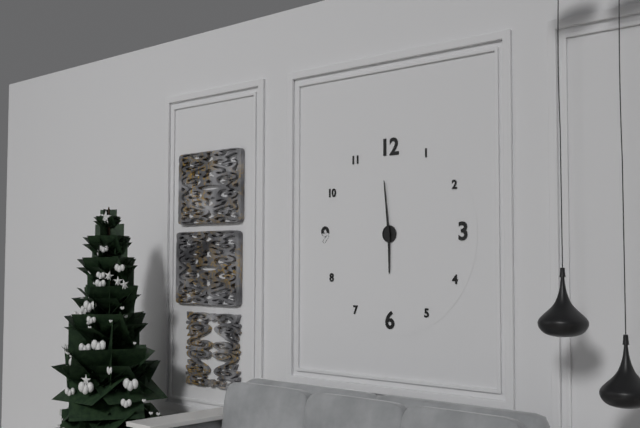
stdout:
**5:59**
